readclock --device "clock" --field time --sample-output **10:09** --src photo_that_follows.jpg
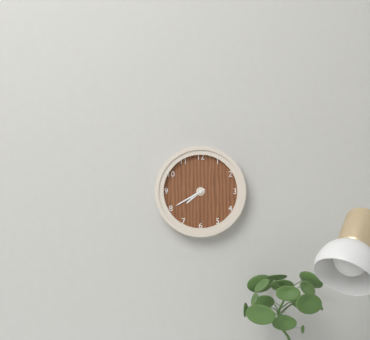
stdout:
**7:40**
